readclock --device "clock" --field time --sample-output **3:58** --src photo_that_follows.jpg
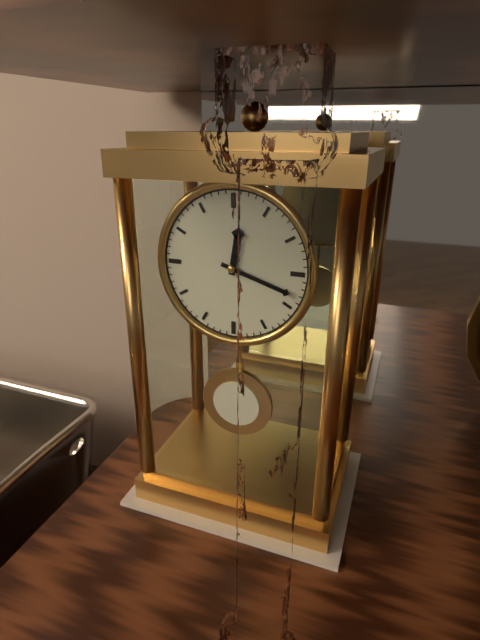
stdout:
**12:18**
